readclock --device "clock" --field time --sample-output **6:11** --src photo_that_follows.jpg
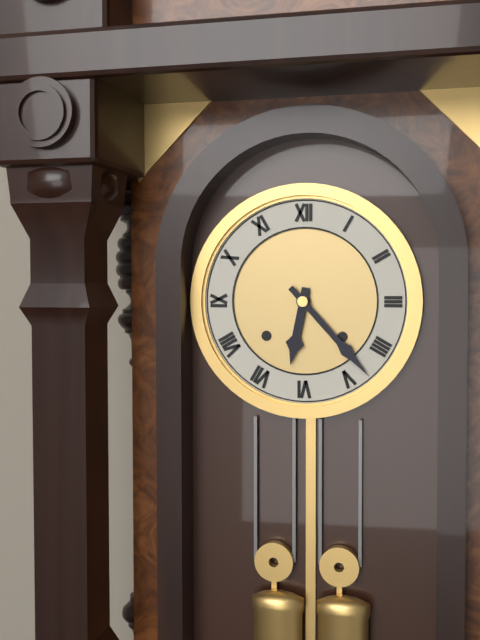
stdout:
**6:23**
